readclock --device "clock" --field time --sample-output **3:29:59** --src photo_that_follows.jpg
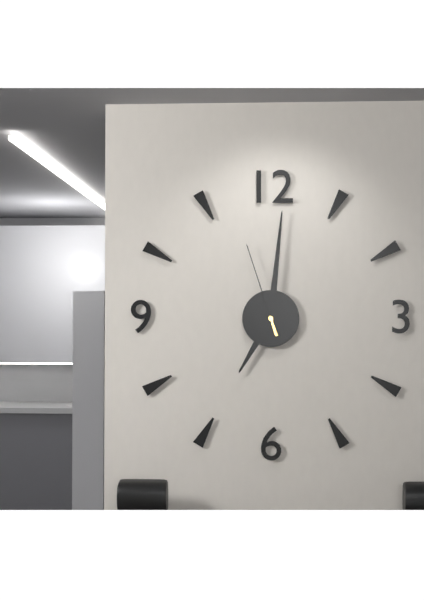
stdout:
**7:01:57**
